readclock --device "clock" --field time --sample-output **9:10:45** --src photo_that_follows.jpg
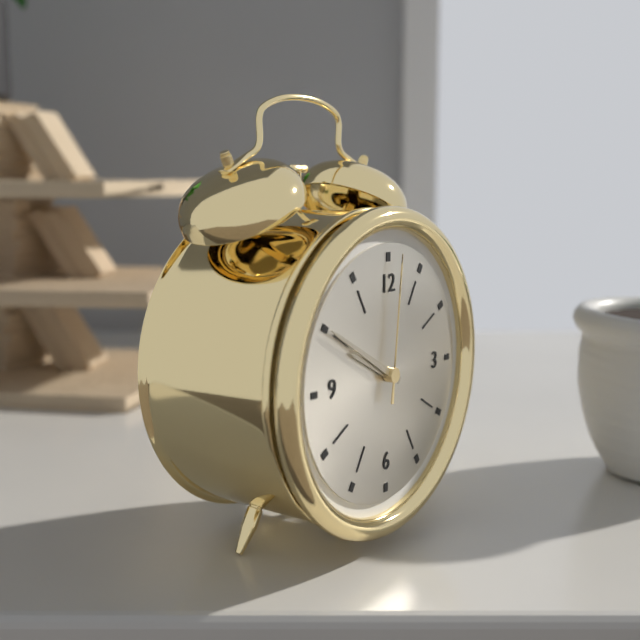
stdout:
**9:50:01**
